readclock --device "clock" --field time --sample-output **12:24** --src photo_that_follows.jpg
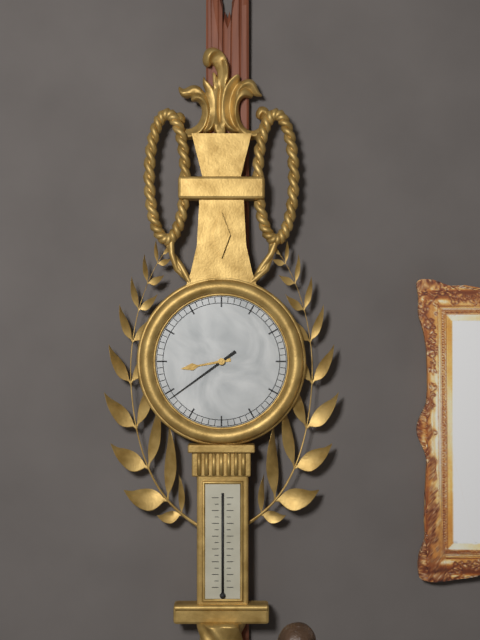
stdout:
**8:39**
